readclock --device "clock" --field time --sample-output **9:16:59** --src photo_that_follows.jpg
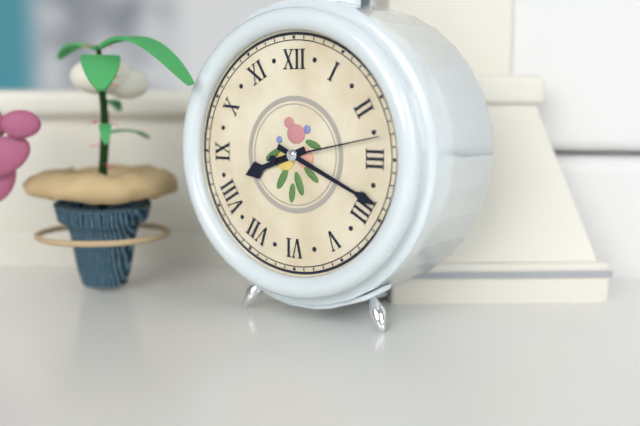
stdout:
**8:19:13**
